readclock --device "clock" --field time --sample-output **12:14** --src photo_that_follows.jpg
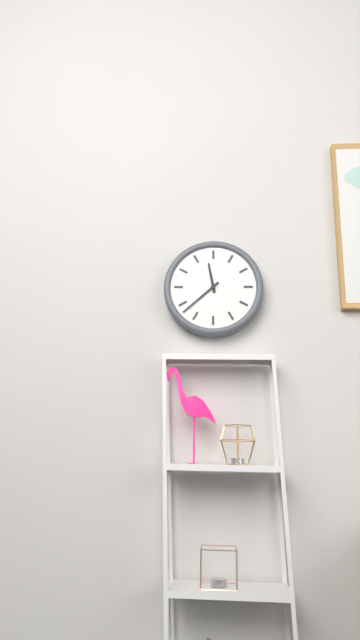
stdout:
**11:38**
